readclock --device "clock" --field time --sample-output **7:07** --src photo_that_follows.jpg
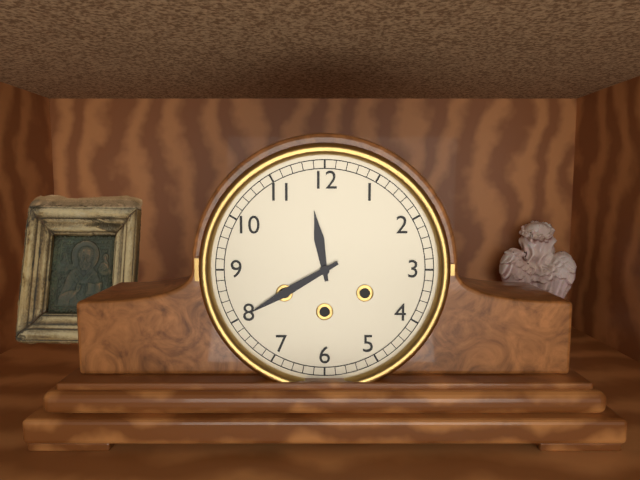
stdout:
**11:40**
